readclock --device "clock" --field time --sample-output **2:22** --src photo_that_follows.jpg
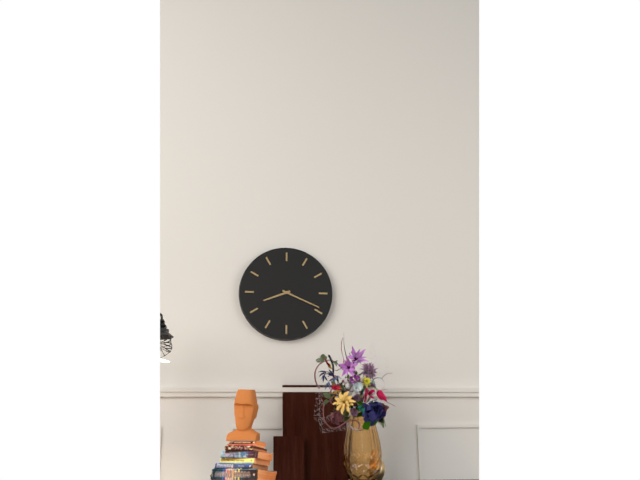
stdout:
**8:19**
